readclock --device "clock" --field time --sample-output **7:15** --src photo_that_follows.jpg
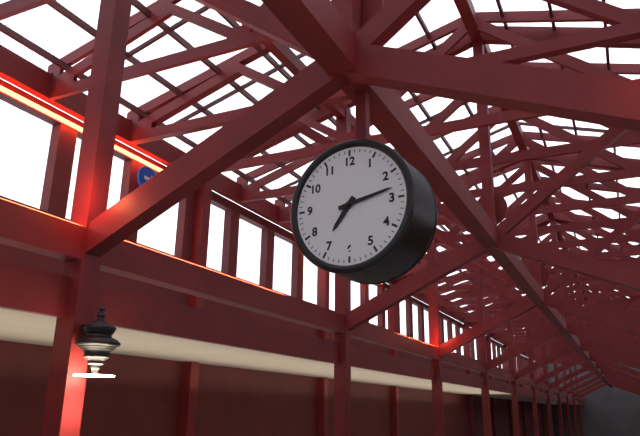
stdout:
**7:13**
